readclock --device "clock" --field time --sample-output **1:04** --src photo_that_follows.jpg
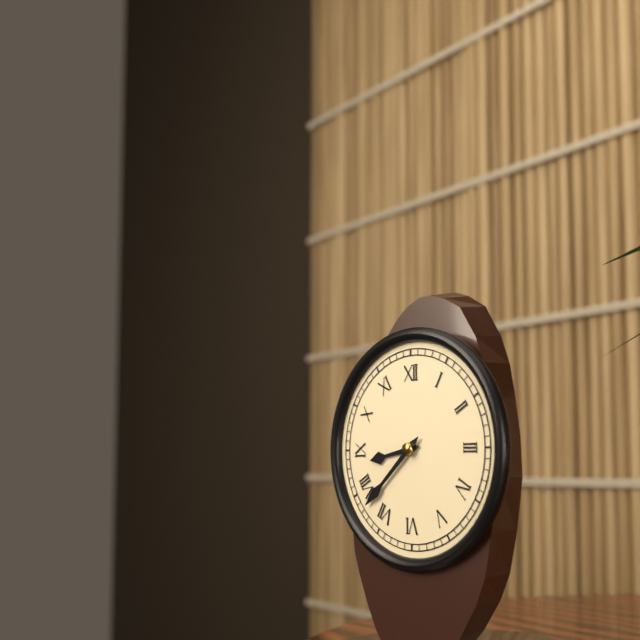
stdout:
**8:38**
